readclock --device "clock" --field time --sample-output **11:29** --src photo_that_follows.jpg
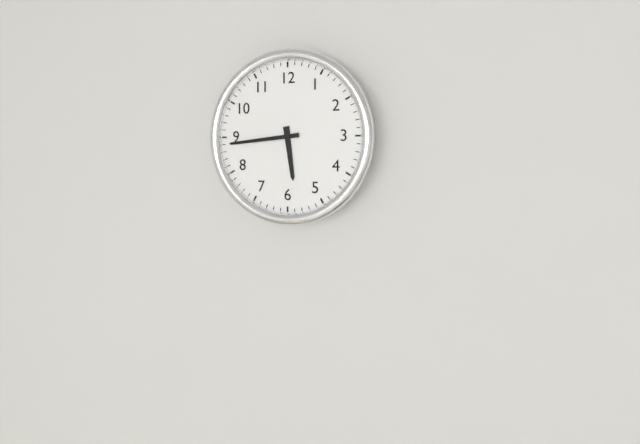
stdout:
**5:44**
